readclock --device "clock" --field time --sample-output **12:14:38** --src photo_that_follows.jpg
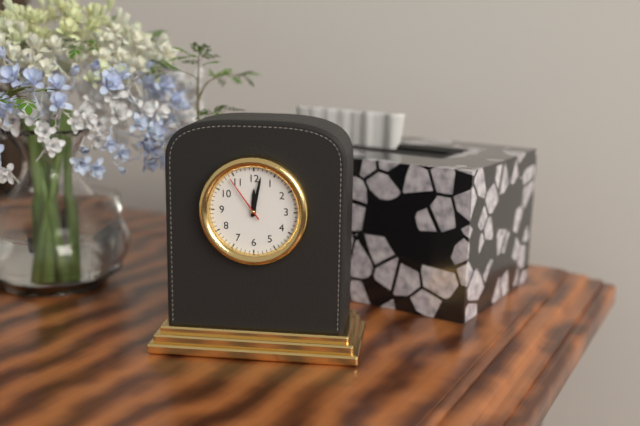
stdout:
**12:02:54**
